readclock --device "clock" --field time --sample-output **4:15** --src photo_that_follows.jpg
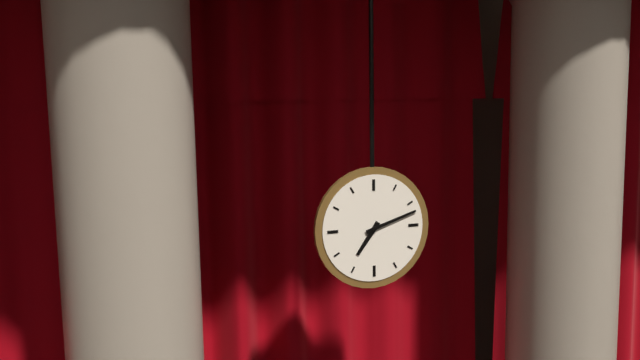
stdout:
**7:12**
